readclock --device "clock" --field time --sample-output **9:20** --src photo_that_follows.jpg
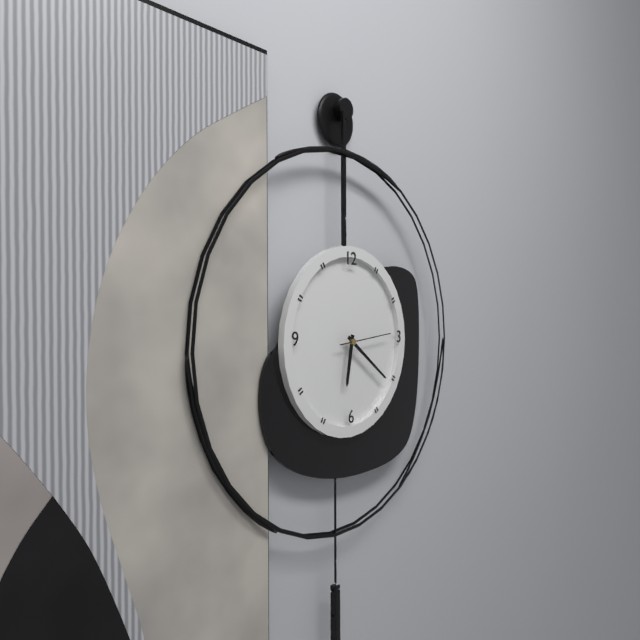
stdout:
**6:21**
